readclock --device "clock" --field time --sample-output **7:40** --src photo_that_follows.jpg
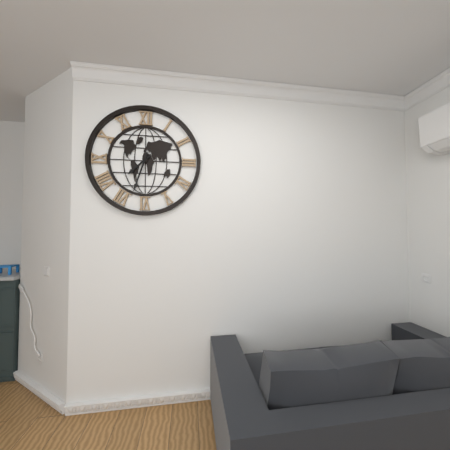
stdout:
**7:33**
